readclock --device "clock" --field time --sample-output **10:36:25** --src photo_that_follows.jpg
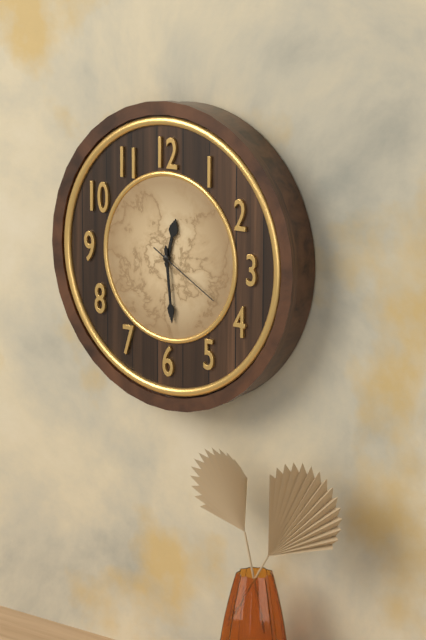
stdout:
**12:29:20**
